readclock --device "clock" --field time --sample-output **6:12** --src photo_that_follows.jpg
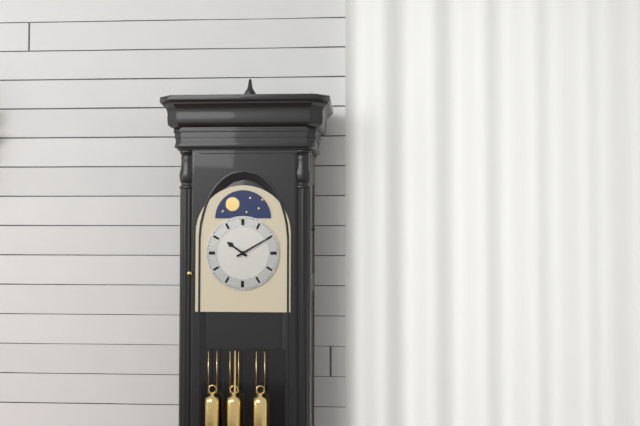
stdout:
**10:10**
